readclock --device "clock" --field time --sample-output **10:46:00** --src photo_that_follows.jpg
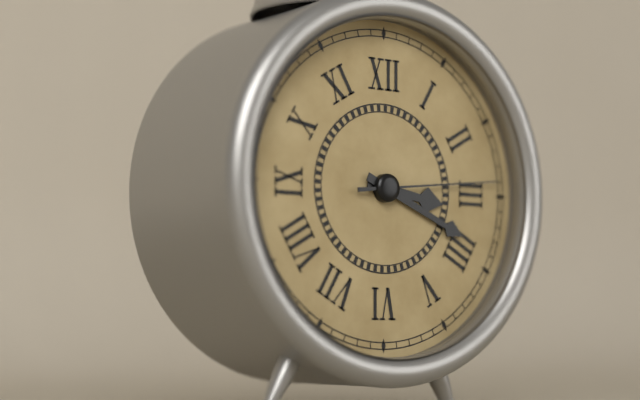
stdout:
**3:19:14**
